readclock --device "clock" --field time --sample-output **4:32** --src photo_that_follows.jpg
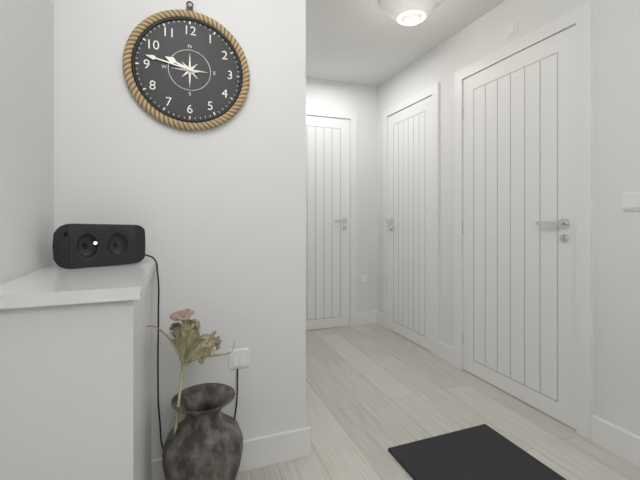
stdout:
**9:47**
